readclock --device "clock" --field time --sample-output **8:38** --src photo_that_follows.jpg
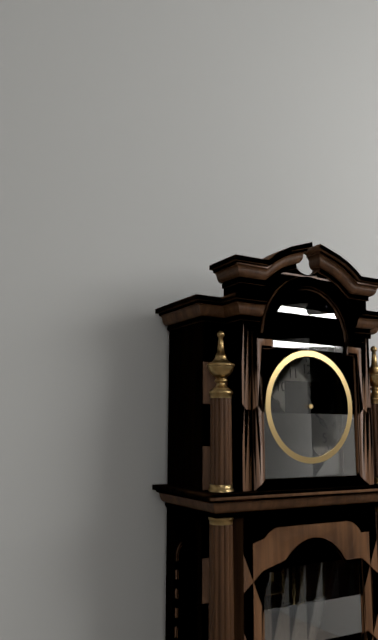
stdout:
**4:30**
